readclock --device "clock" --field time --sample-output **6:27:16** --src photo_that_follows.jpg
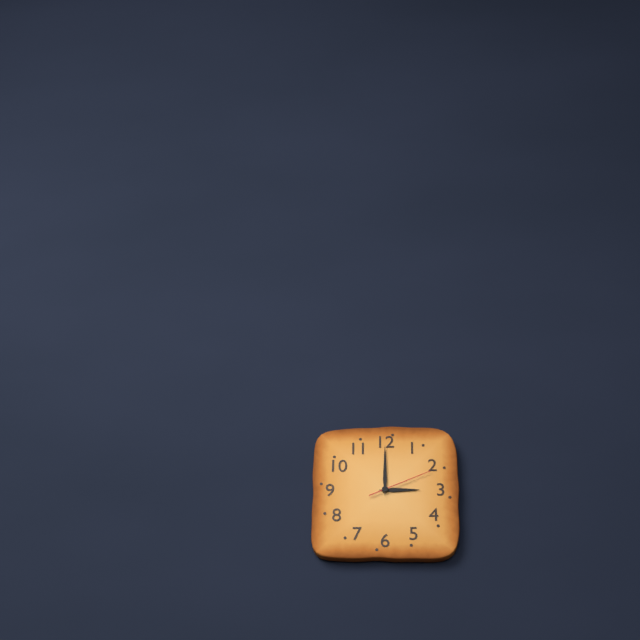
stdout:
**3:00:11**
